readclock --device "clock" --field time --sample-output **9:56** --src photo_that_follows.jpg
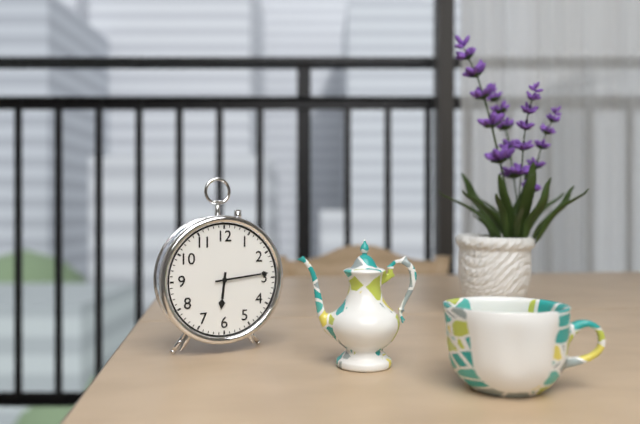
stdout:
**6:14**
